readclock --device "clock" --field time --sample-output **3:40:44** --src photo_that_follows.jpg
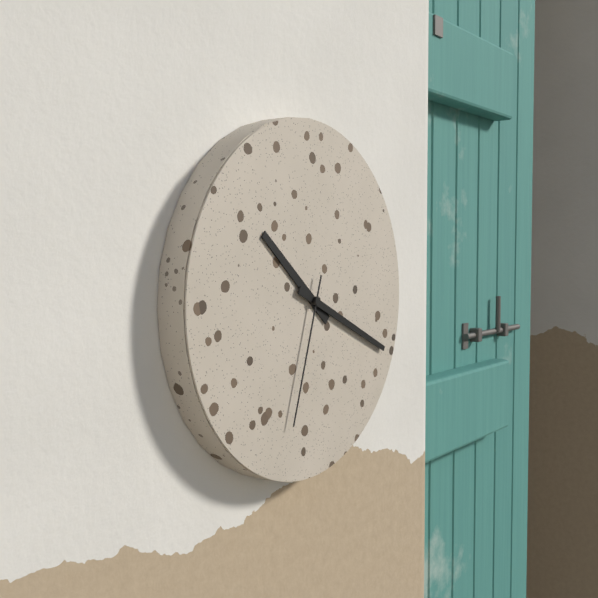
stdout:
**10:19:33**
